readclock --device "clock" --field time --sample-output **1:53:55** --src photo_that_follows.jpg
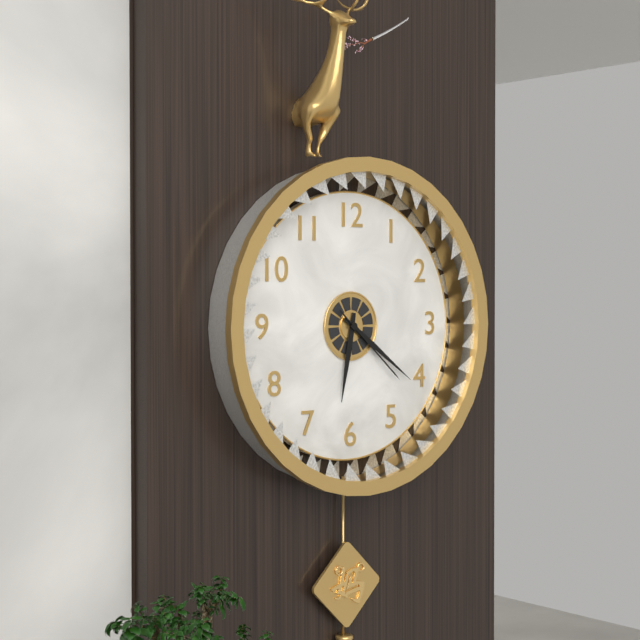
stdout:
**6:21:22**
